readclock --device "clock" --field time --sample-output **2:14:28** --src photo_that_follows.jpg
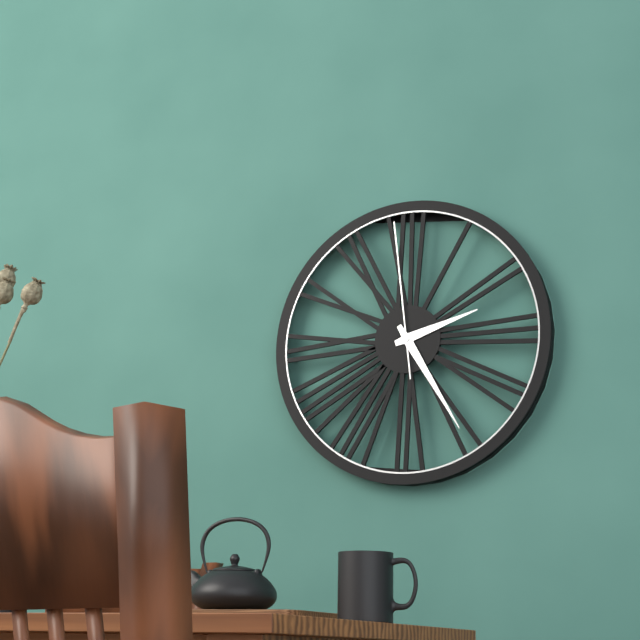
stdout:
**2:25:59**
